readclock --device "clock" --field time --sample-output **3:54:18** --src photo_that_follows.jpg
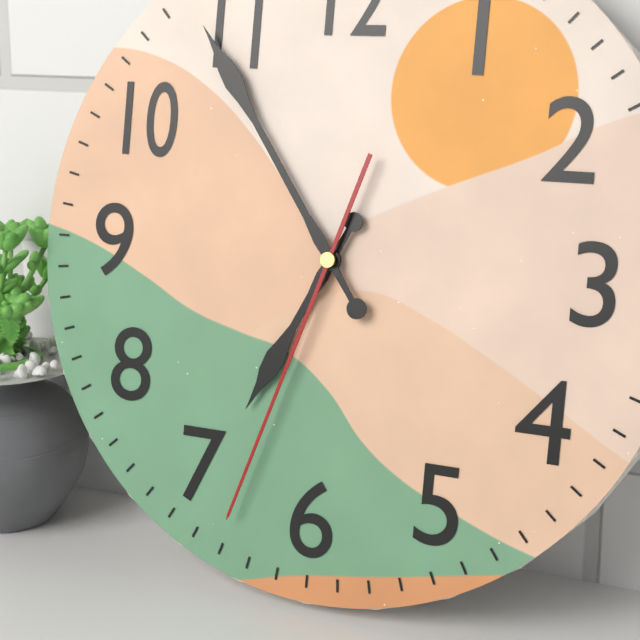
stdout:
**6:54:33**
